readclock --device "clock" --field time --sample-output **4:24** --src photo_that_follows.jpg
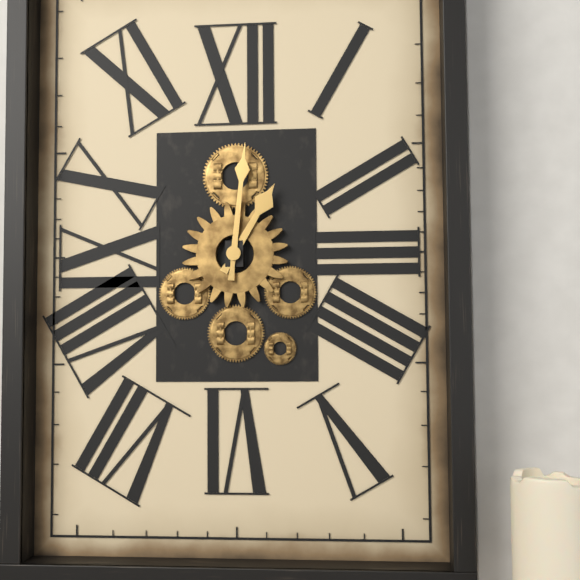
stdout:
**1:01**
